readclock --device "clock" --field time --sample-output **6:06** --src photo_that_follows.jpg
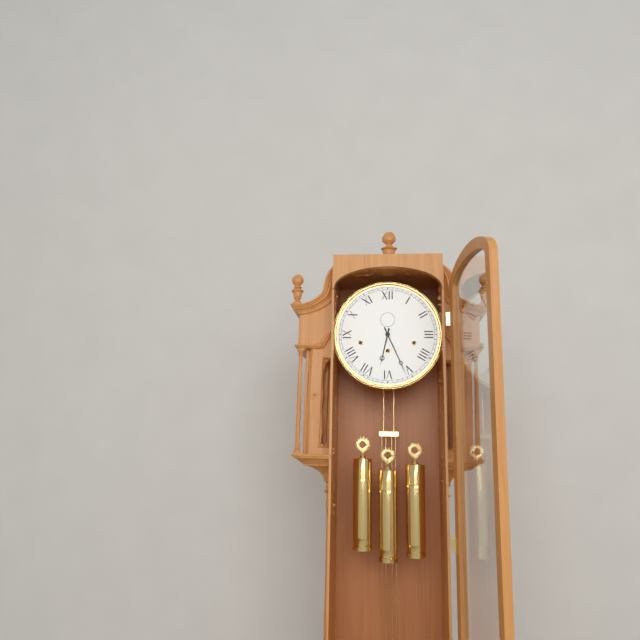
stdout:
**6:26**
